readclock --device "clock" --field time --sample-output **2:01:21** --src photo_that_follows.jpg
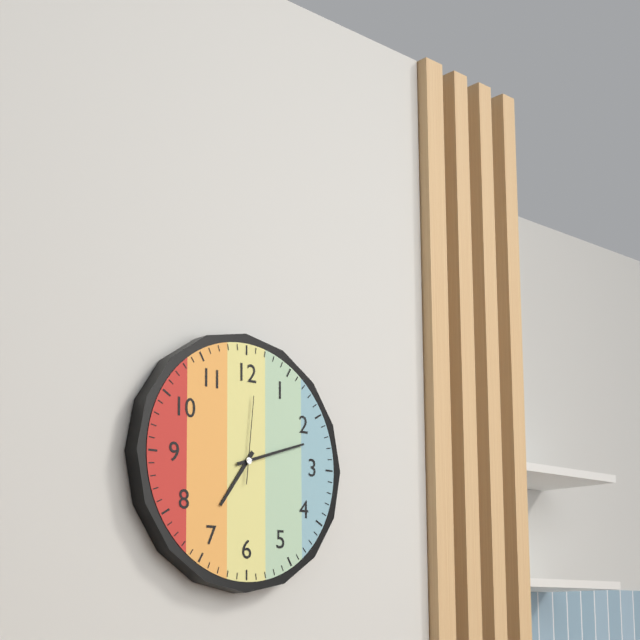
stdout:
**7:12:01**
